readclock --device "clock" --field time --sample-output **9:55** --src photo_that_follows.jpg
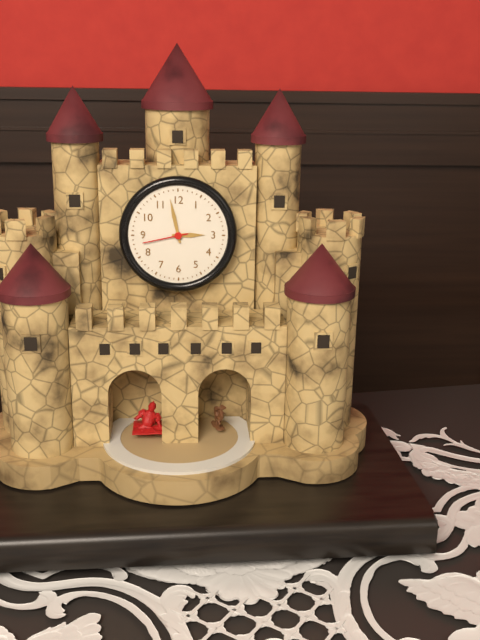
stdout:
**2:58**
